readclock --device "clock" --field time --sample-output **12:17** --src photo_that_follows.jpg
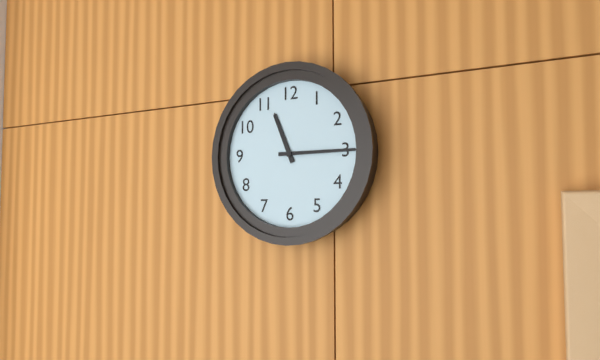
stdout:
**11:15**
